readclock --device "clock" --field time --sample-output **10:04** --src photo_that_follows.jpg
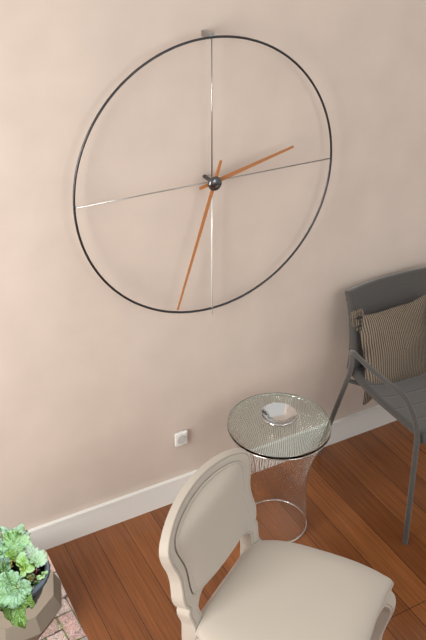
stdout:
**2:33**
